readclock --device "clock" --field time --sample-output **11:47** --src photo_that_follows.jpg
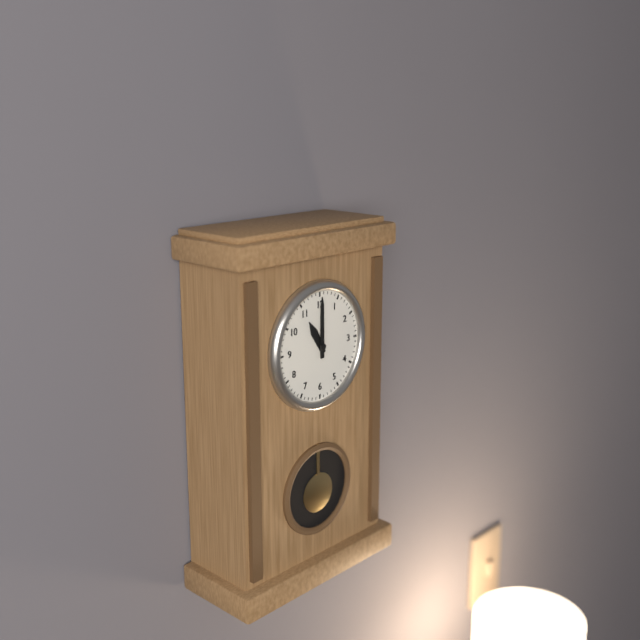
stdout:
**11:00**
